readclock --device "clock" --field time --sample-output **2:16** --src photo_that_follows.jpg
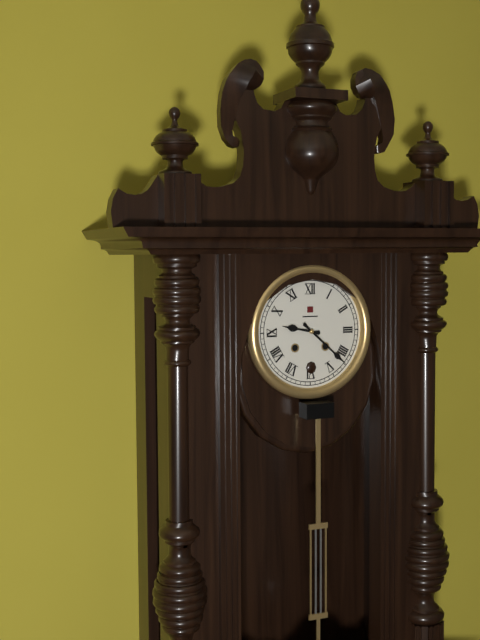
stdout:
**9:22**
